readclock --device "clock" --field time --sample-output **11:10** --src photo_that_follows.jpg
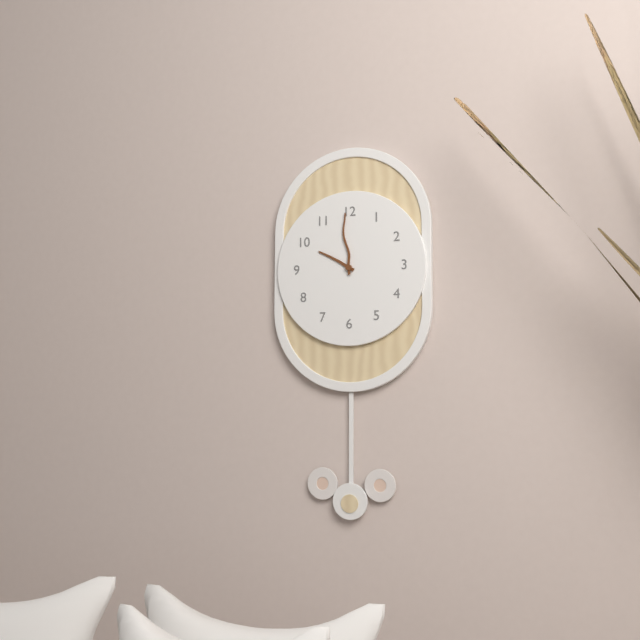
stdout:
**9:59**
